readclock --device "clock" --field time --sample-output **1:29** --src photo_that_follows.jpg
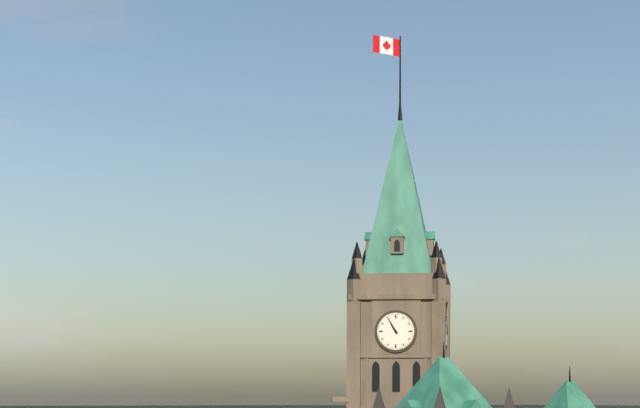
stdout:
**10:55**
